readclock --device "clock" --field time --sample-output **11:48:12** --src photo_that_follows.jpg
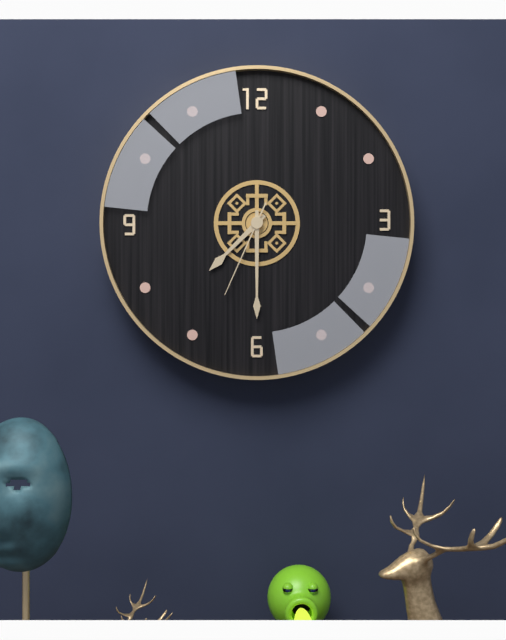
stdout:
**7:30:34**
